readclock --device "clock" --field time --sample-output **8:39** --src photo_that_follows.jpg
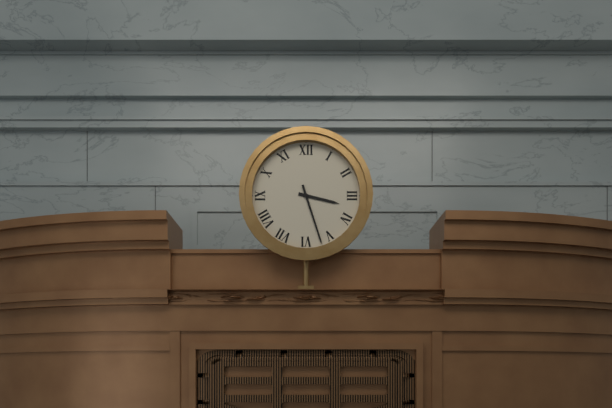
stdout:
**3:27**
